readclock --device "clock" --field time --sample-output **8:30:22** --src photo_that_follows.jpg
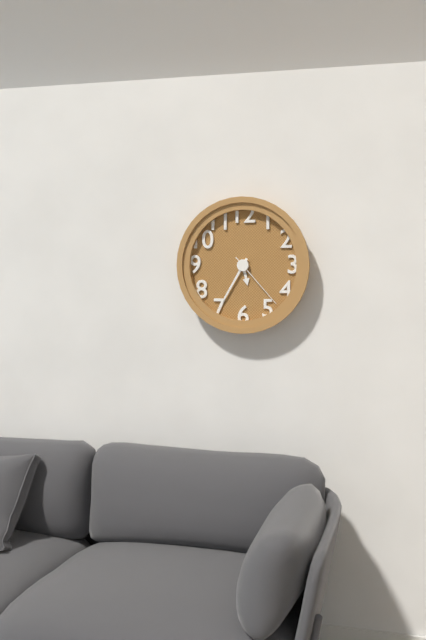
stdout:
**5:35:23**
